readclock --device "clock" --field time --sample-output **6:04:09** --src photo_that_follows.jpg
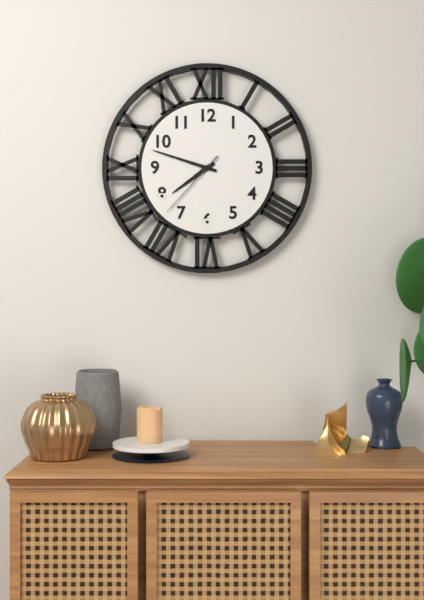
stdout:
**7:48:37**
